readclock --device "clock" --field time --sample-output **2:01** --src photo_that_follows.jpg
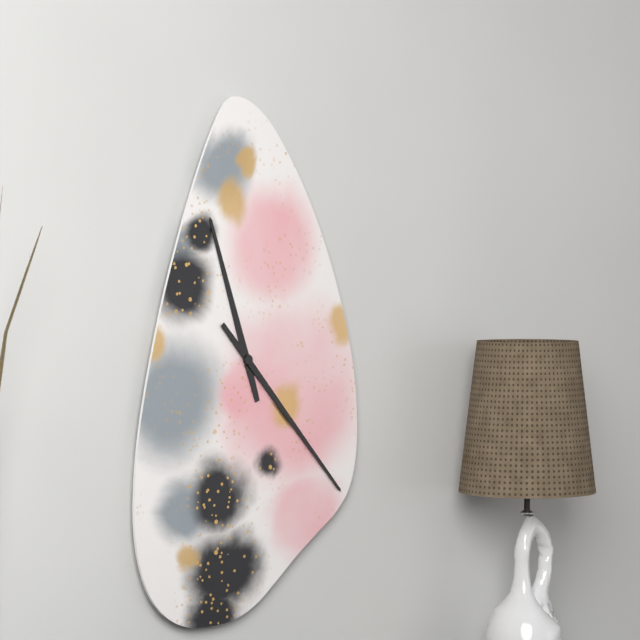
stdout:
**11:23**
